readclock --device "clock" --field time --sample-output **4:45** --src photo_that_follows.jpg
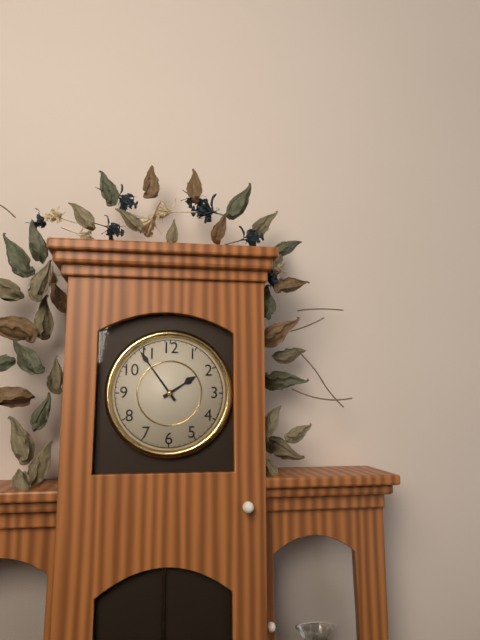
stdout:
**1:54**
